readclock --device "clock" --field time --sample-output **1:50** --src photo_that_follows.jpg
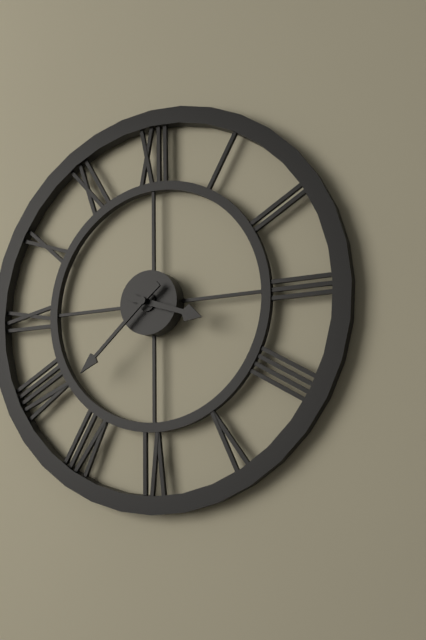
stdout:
**3:38**
